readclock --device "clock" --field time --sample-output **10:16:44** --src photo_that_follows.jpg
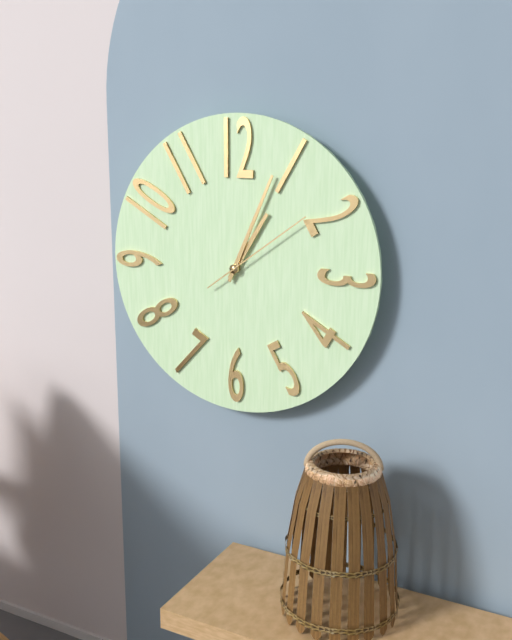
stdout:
**1:04:09**
